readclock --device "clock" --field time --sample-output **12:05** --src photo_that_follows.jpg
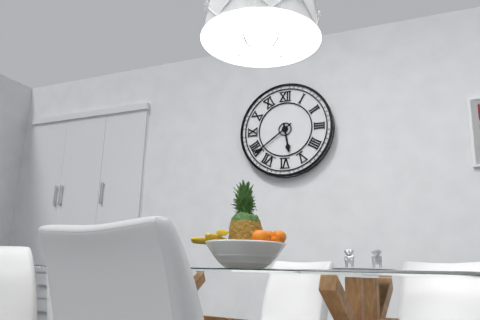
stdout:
**5:39**
